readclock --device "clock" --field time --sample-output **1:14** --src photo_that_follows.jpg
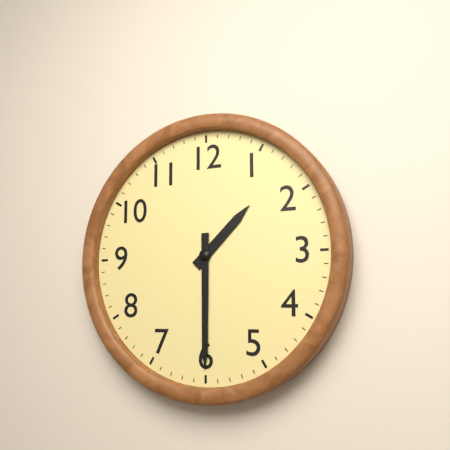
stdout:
**1:30**
